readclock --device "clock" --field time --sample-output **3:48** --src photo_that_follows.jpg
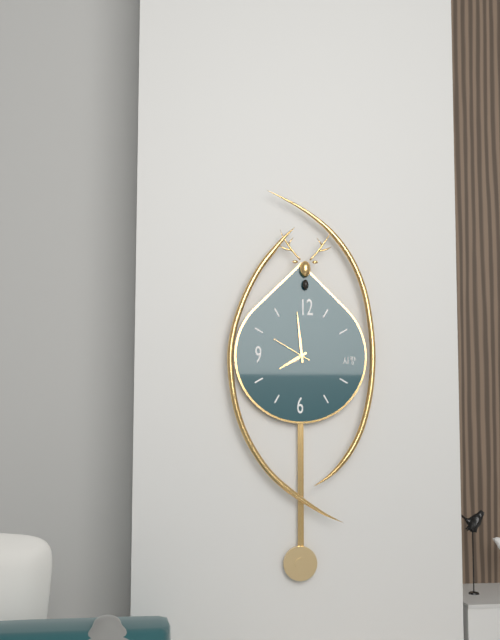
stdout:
**7:59**
